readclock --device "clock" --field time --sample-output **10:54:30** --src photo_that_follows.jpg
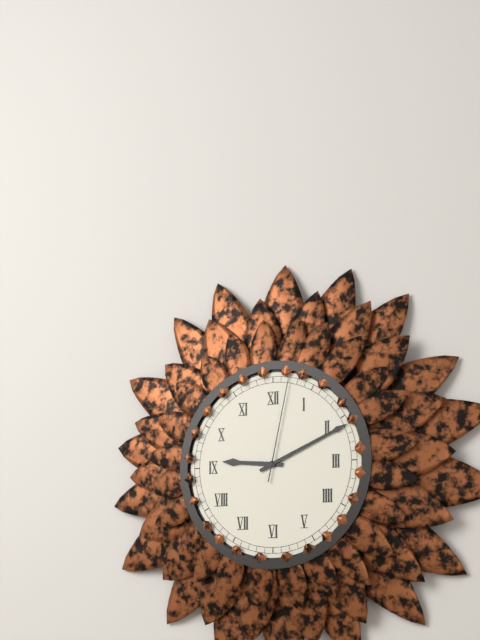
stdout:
**9:11:02**
